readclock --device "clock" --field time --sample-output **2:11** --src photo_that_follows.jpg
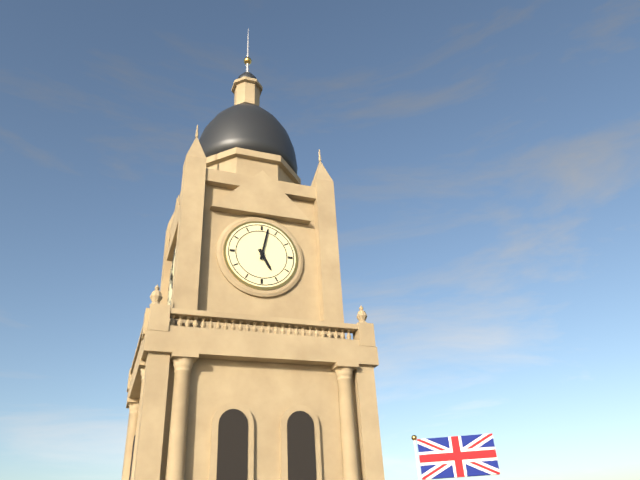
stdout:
**5:02**
